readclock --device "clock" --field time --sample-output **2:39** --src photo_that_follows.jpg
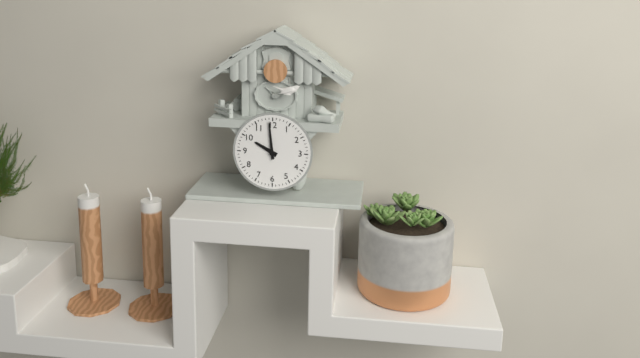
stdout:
**9:59**
